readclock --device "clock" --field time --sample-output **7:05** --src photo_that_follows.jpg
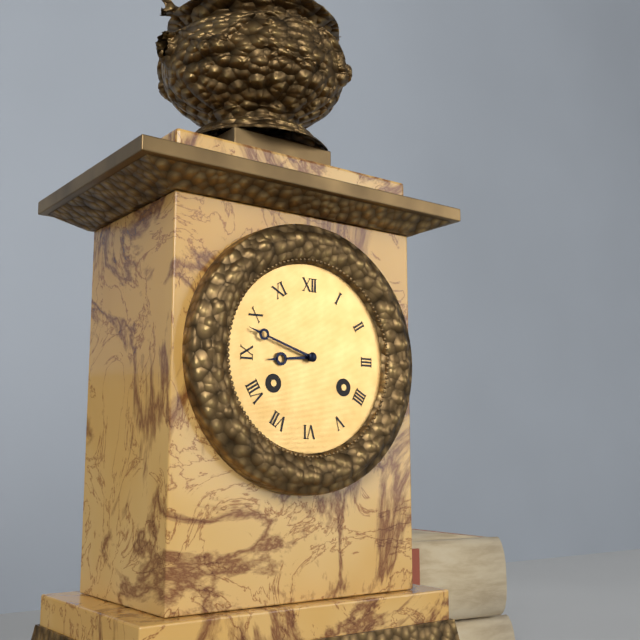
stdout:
**8:48**
